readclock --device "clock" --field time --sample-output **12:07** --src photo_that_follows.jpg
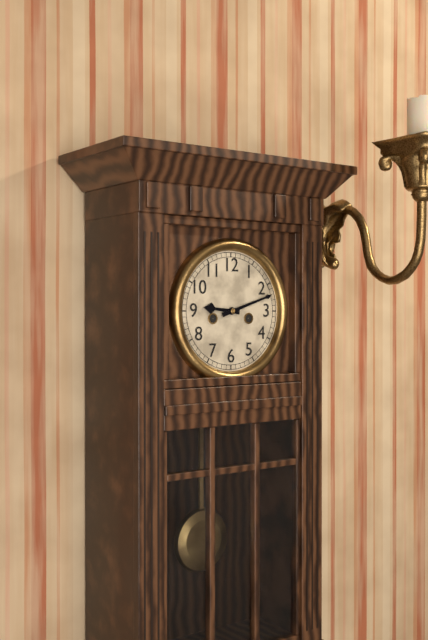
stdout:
**9:12**
